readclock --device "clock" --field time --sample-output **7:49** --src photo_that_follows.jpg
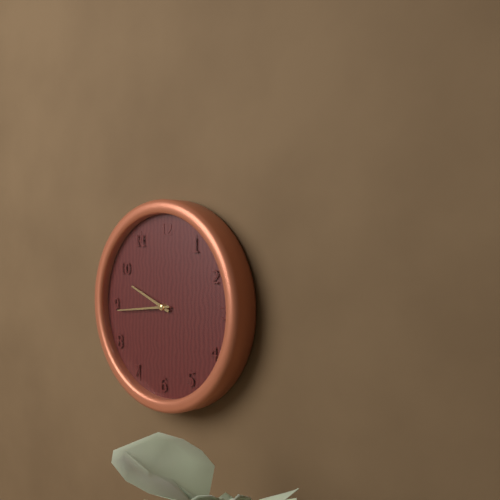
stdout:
**9:44**
